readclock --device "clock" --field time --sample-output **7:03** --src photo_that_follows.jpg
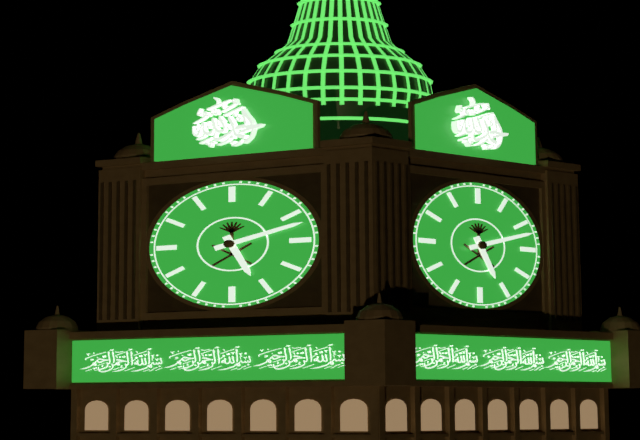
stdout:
**5:12**
